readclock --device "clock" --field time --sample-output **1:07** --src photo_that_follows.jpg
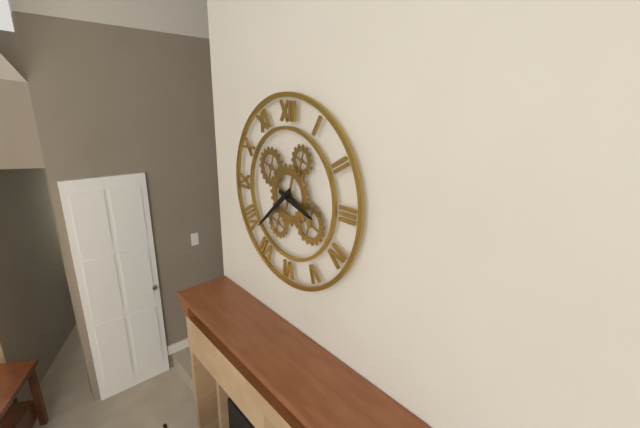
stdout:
**3:38**
